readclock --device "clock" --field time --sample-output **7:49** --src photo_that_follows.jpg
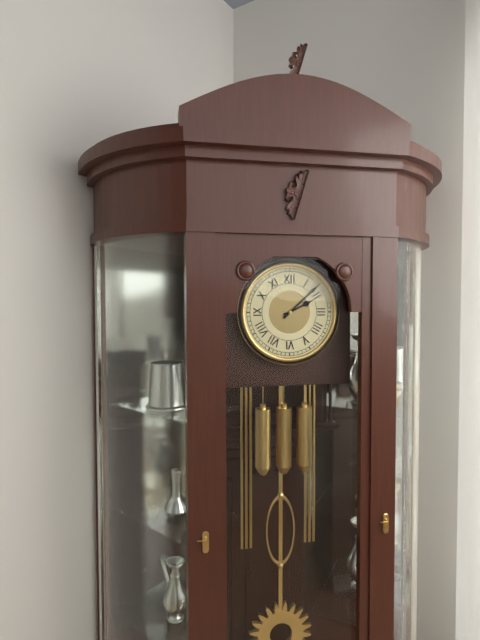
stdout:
**2:08**
